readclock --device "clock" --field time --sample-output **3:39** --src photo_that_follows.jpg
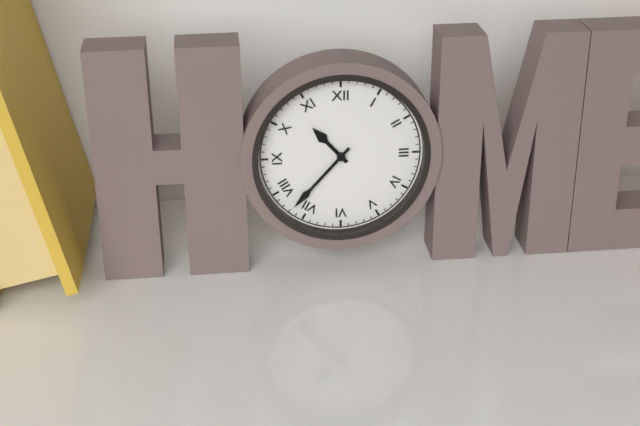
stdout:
**10:37**
